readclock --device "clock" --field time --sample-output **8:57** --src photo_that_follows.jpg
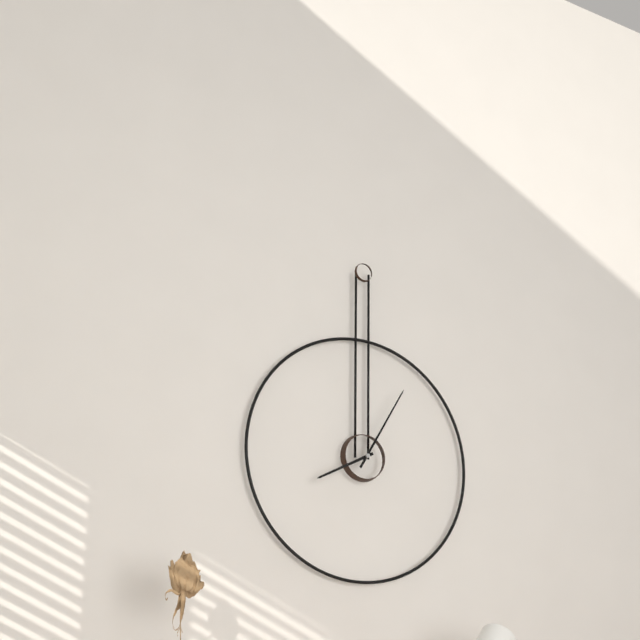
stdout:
**8:05**
